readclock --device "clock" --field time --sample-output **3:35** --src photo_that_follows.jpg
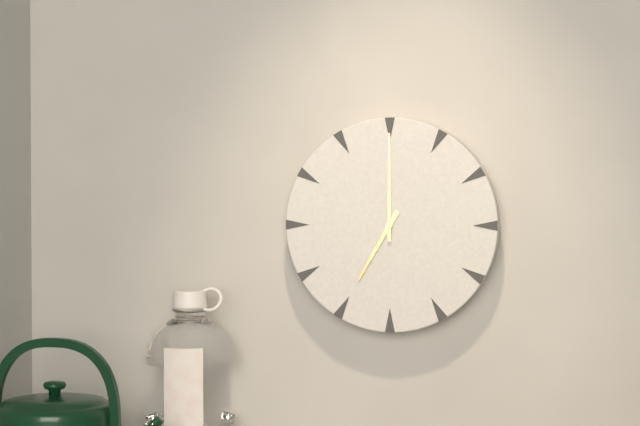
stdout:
**7:00**
